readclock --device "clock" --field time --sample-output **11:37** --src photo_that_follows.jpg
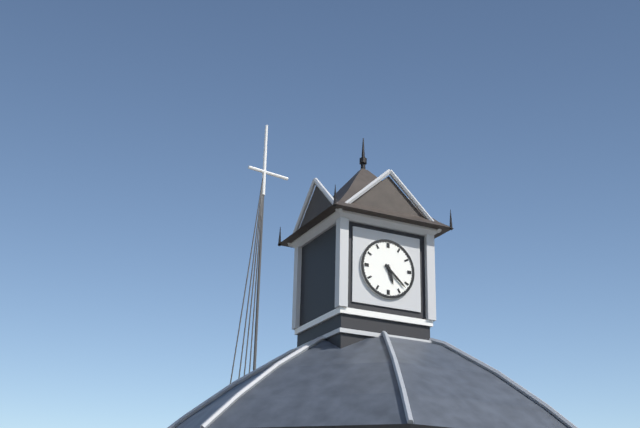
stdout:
**5:22**
